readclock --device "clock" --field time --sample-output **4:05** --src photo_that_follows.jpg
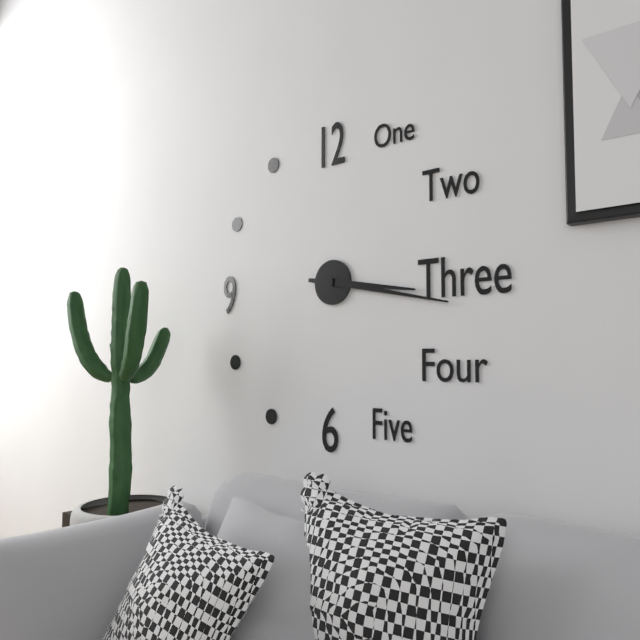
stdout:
**3:17**
